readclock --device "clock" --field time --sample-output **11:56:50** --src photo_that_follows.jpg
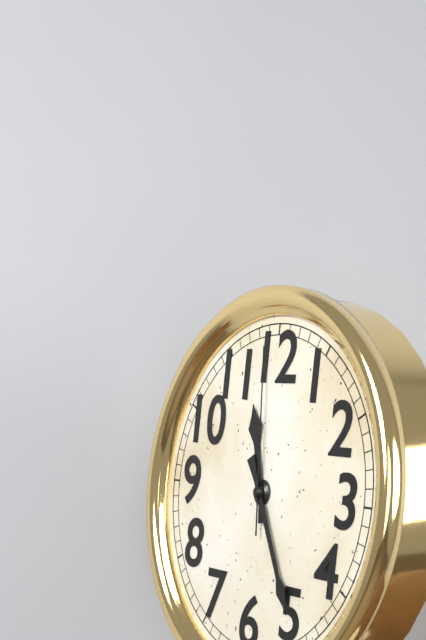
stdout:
**11:25:59**
